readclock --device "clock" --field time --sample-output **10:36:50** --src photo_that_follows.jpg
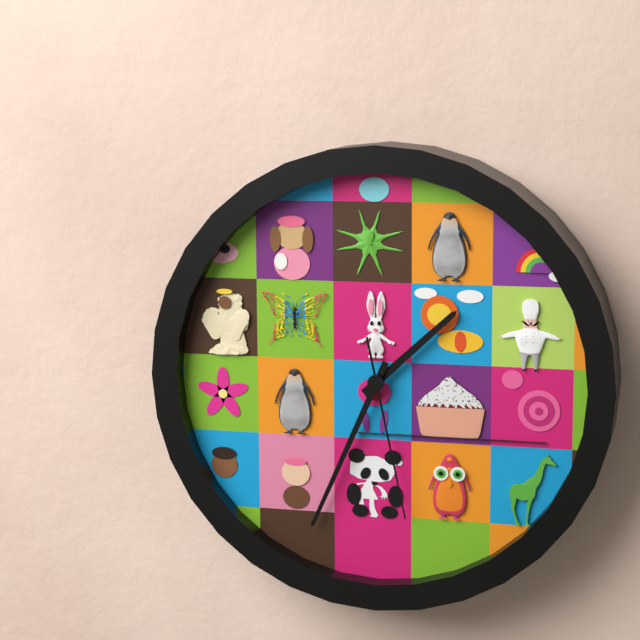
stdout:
**1:34:28**
